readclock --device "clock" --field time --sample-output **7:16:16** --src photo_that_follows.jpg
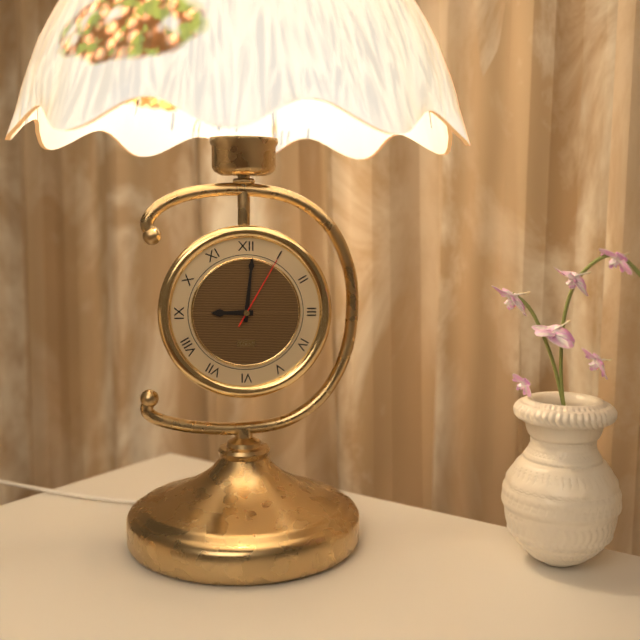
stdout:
**9:01:05**
